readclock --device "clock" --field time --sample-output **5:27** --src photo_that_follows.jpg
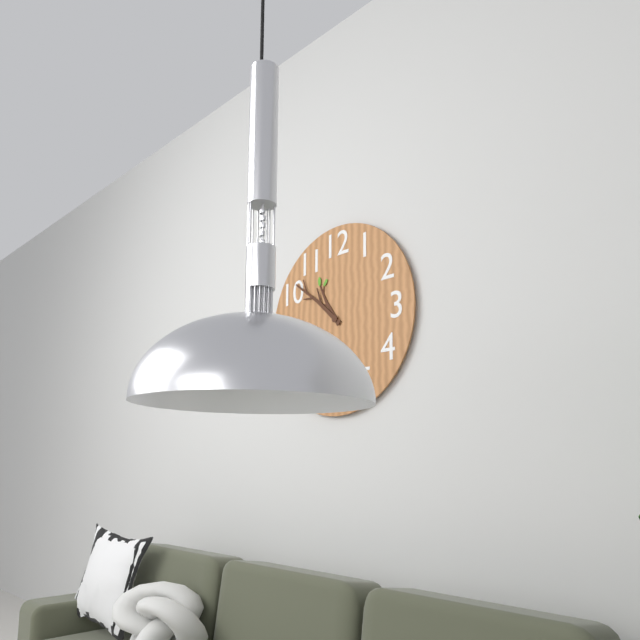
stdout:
**10:52**
